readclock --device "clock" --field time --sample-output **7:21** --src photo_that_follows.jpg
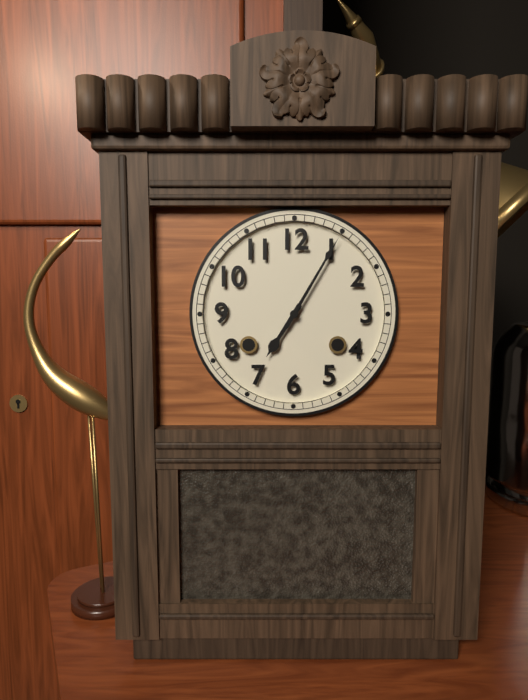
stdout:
**7:05**
